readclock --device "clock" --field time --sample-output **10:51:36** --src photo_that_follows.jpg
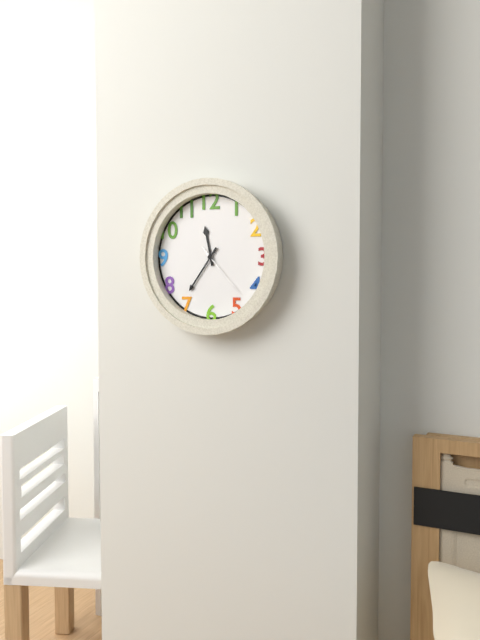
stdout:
**11:36:23**
